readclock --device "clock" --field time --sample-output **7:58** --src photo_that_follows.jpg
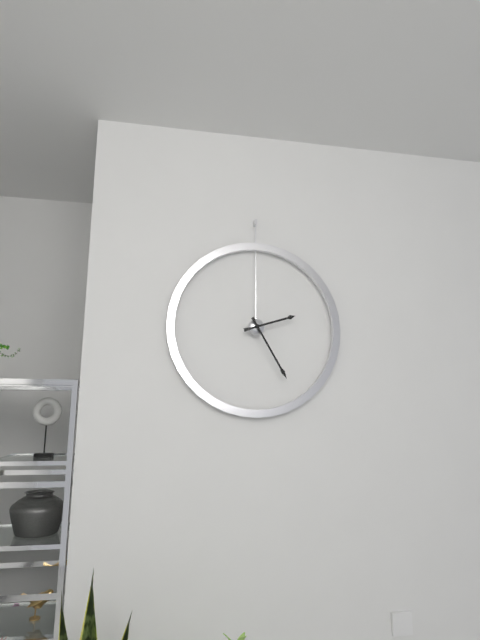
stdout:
**2:25**
